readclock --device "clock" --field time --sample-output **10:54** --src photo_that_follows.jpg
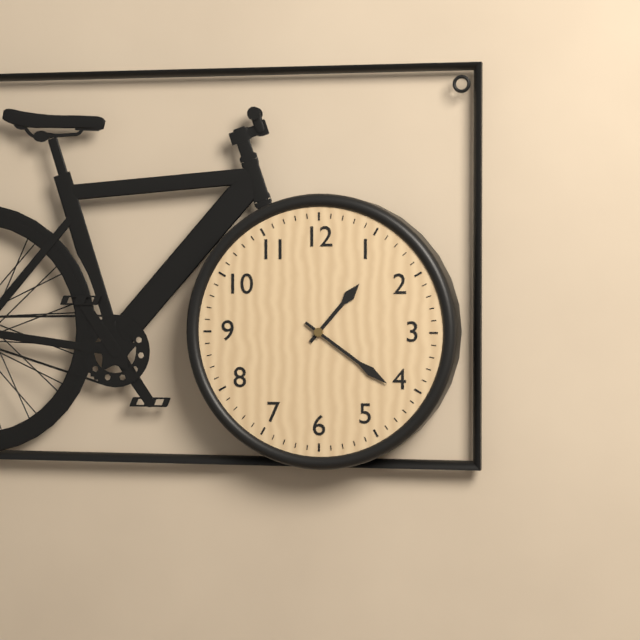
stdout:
**1:21**
